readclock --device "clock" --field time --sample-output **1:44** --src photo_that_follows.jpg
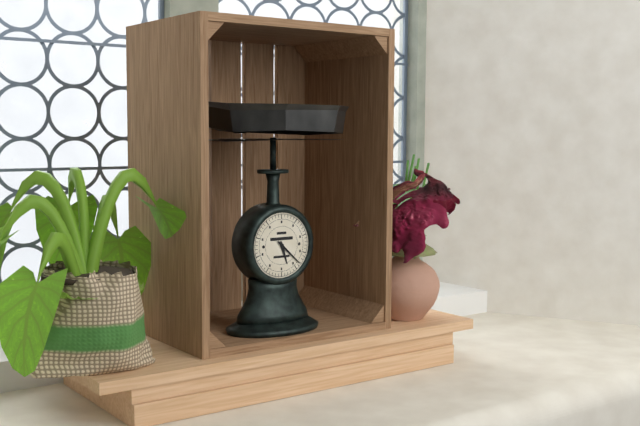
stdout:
**5:22**
